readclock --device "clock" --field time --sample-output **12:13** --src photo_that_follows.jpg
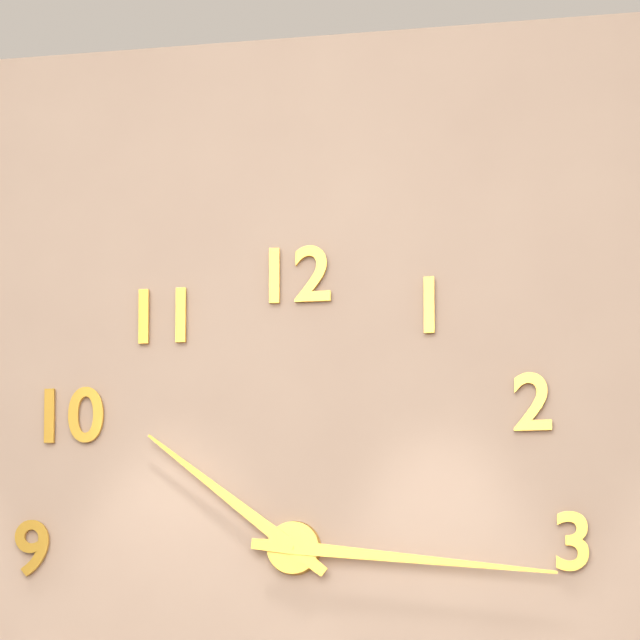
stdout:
**10:16**
